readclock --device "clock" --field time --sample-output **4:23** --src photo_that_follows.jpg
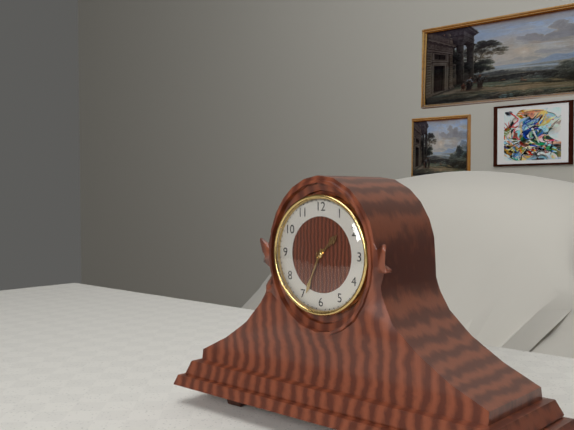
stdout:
**1:34**
